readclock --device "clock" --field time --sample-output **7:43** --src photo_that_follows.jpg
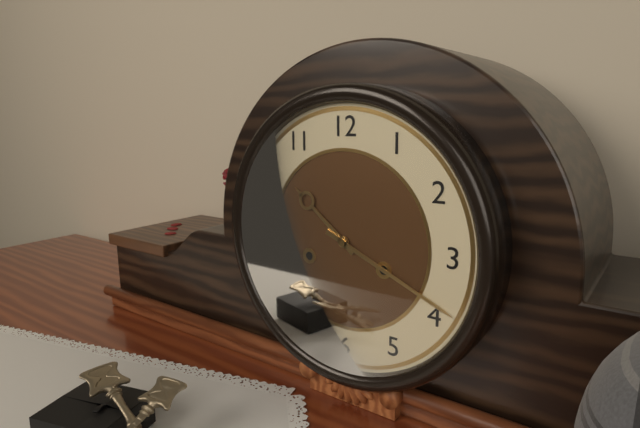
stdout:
**10:19**
